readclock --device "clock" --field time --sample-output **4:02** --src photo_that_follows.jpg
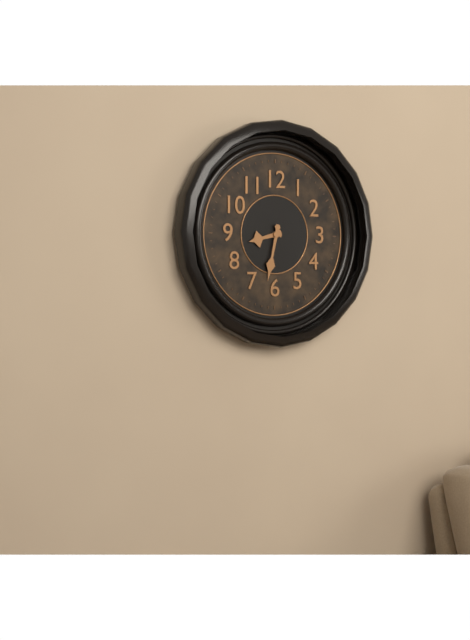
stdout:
**8:32**
